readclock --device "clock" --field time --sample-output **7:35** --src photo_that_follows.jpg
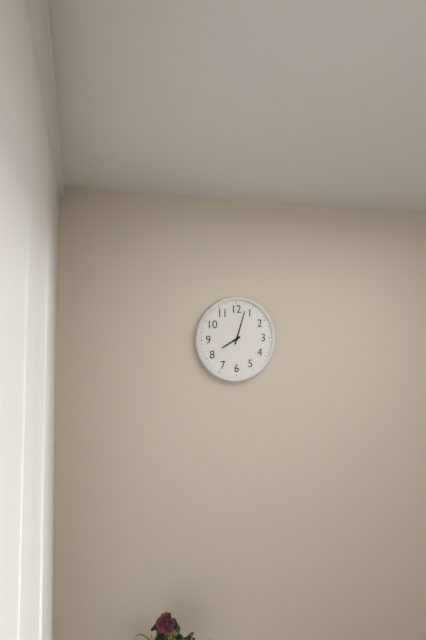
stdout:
**8:03**
